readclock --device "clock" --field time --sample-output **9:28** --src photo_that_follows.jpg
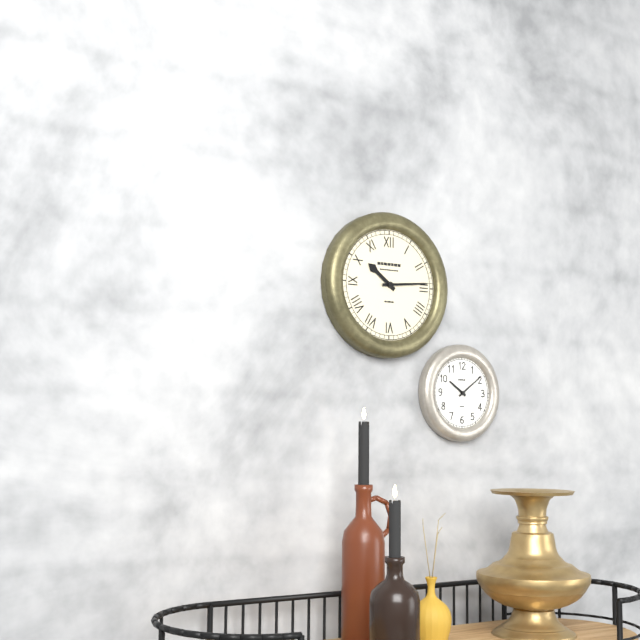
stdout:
**10:14**
